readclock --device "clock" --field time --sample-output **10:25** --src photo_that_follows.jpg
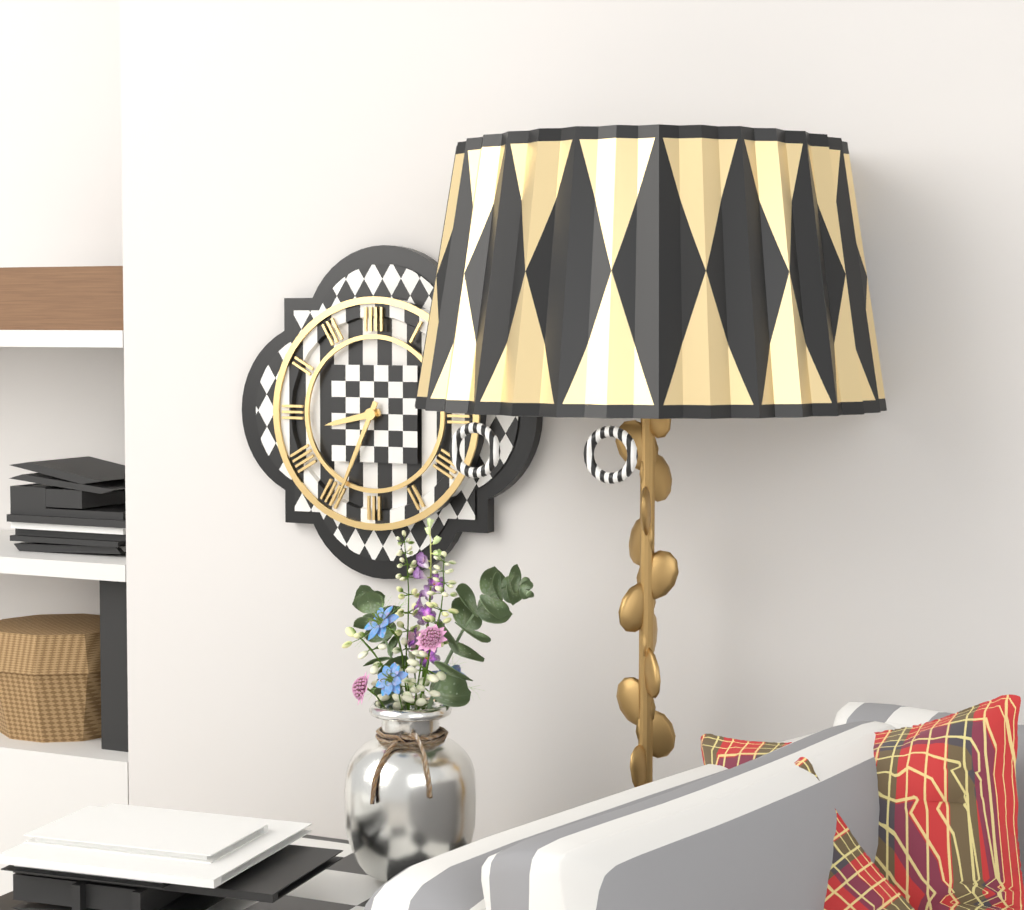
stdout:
**8:34**
